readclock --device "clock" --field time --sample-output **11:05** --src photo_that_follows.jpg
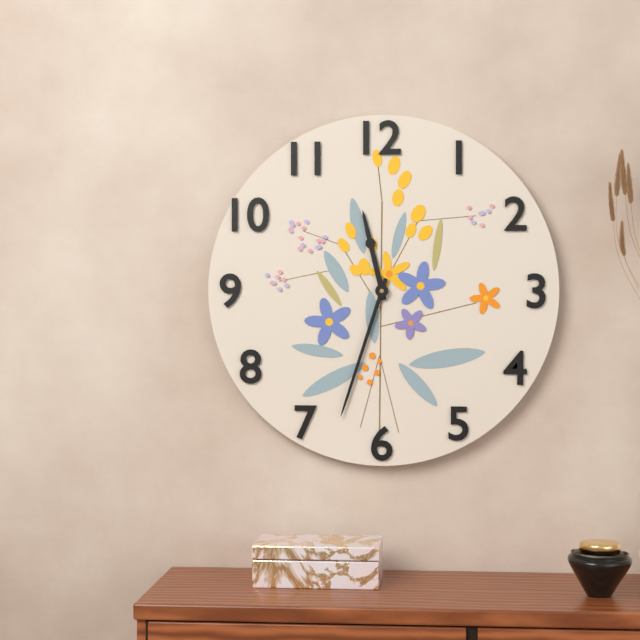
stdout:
**11:33**
